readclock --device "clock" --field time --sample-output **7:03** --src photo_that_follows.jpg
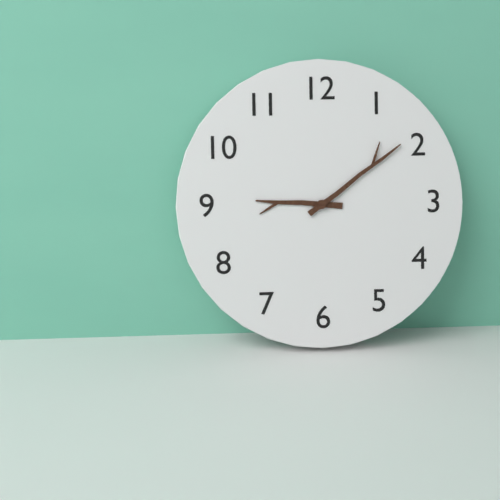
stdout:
**9:09**
